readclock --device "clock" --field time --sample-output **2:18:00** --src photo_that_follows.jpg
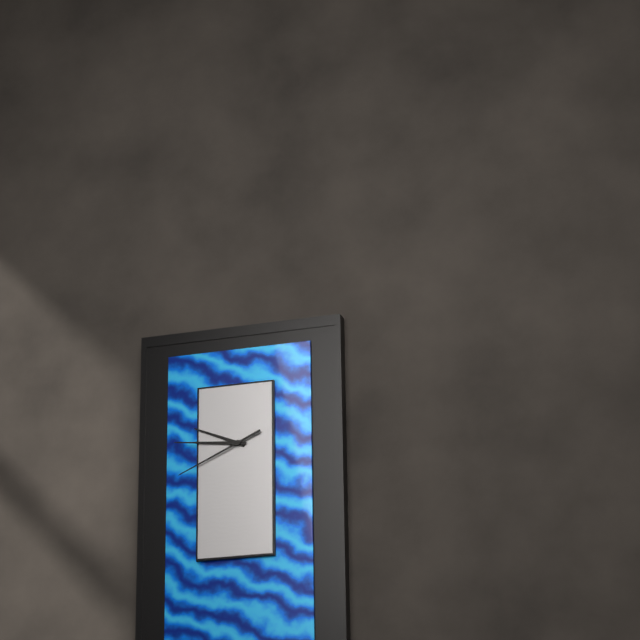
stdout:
**9:46:41**
